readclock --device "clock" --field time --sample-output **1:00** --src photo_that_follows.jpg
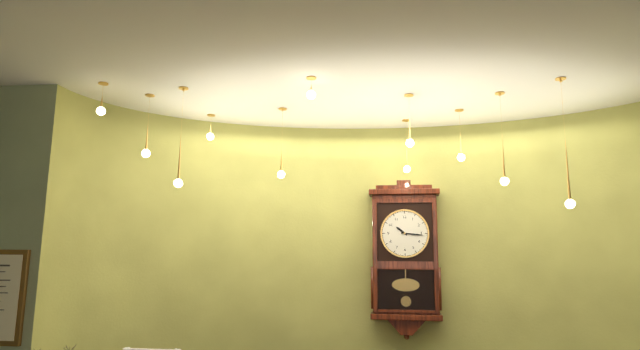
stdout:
**10:16**
